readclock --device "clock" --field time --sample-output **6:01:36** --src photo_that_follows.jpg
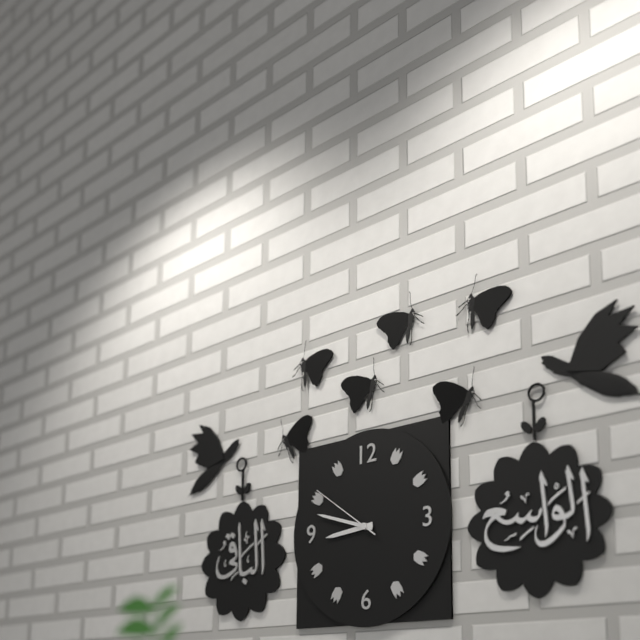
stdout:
**8:48:51**
